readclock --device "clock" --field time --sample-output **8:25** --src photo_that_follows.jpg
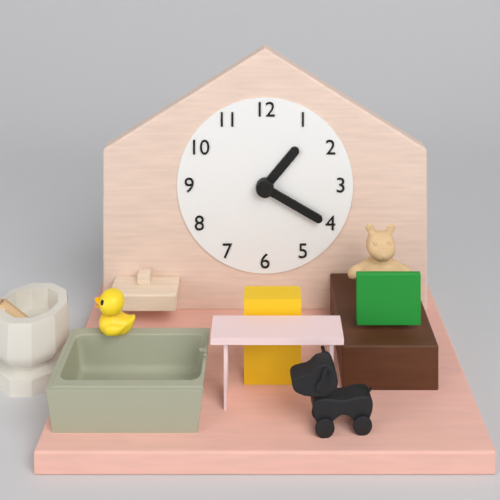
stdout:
**1:20**
